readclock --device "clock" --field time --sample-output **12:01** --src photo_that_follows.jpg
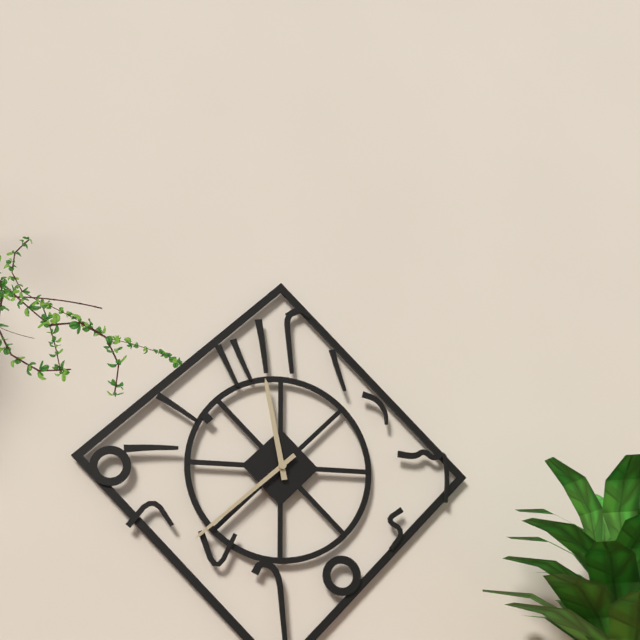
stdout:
**11:38**
